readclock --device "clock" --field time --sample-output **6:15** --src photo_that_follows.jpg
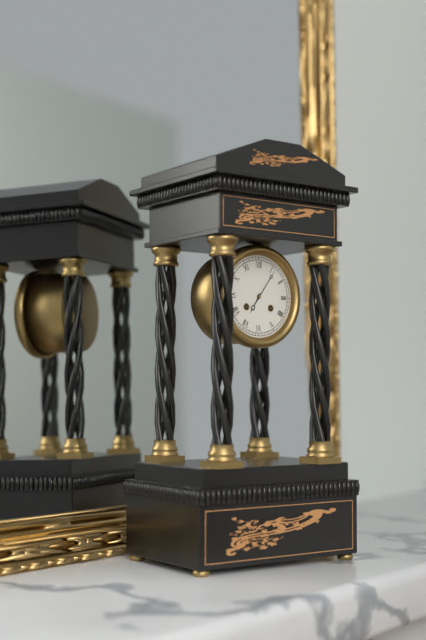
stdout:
**7:06**
